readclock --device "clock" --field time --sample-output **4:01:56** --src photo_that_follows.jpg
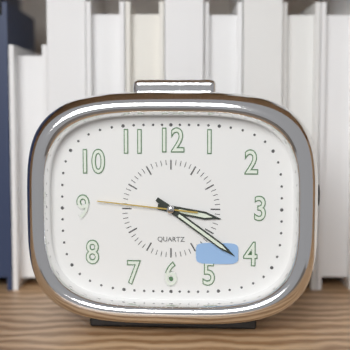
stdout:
**3:21:46**
